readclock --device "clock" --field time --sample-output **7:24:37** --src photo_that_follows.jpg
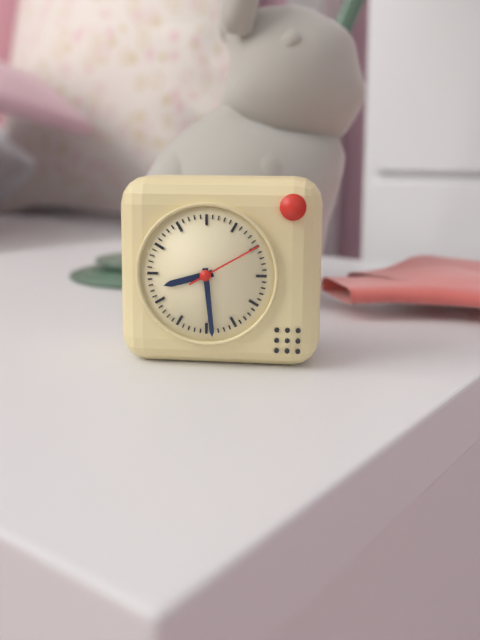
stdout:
**8:29:10**
